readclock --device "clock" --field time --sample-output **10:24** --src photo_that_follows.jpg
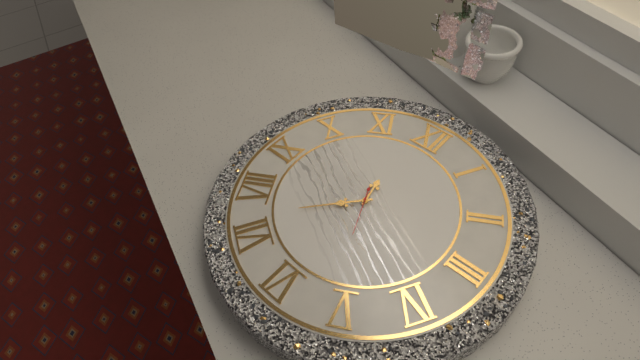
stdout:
**11:37**
